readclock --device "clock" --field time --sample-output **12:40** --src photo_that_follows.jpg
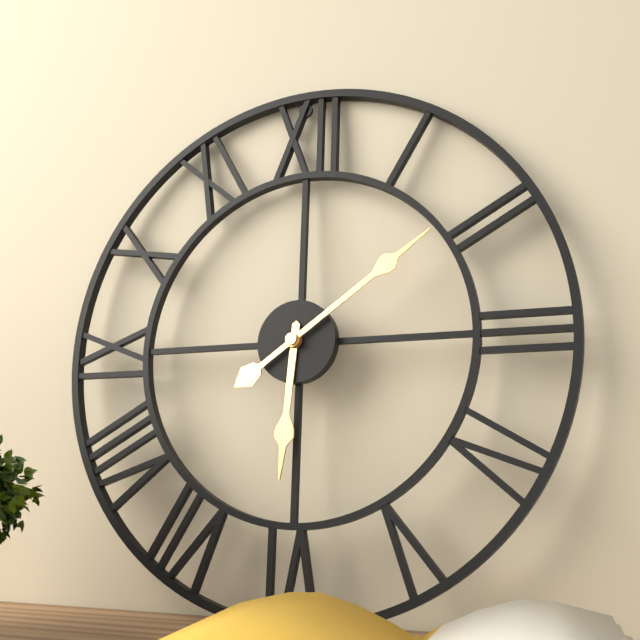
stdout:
**6:09**
